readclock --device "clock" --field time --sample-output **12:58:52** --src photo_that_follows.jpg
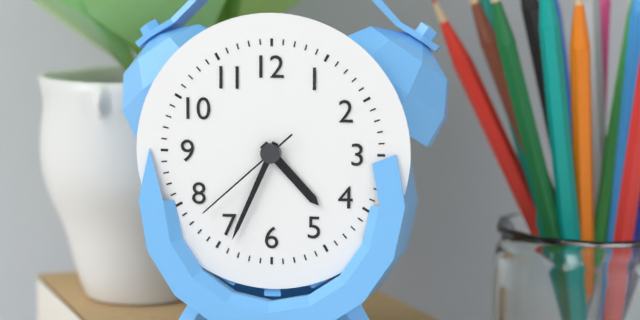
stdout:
**4:34:38**
